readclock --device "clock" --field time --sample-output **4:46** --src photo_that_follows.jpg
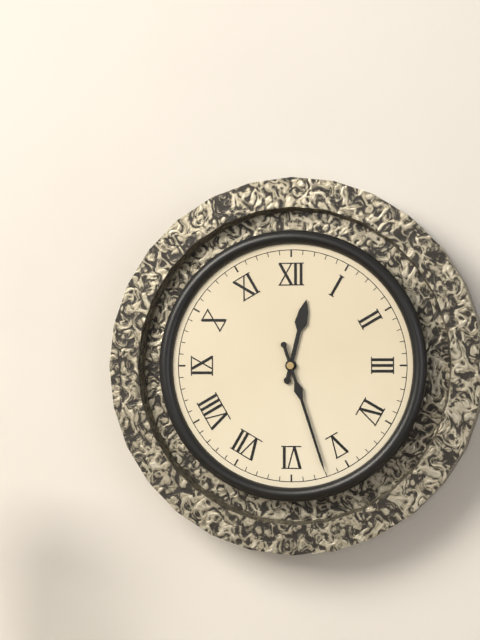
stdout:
**12:27**
